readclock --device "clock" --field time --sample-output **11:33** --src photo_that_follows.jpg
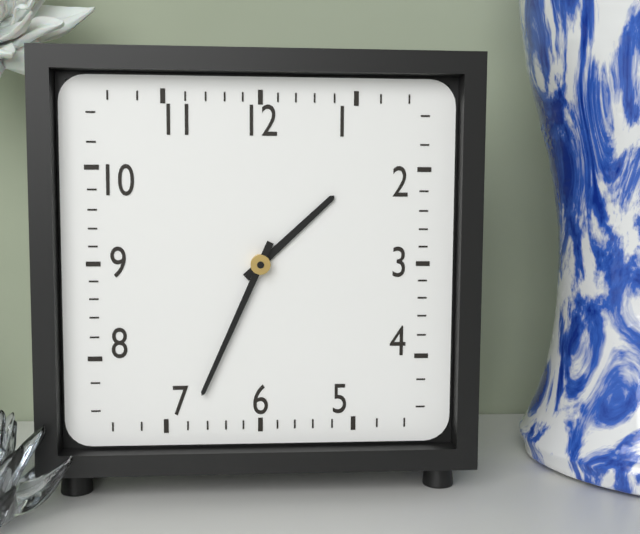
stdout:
**1:34**
